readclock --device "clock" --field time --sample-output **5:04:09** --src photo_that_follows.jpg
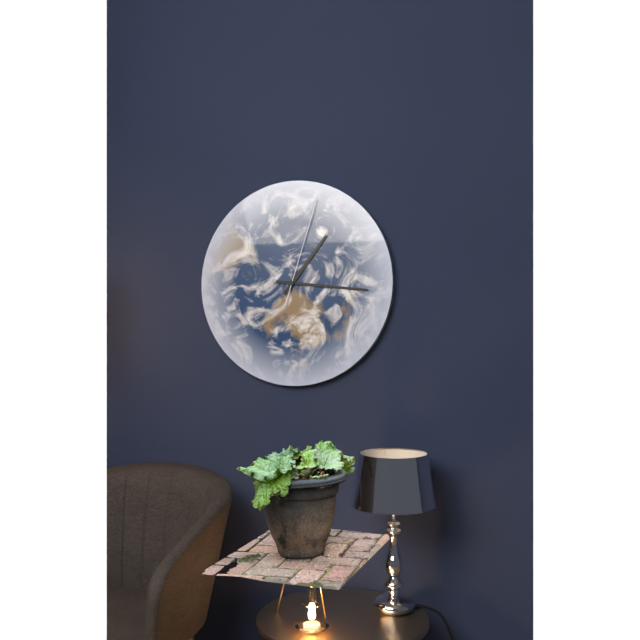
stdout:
**1:16:03**
